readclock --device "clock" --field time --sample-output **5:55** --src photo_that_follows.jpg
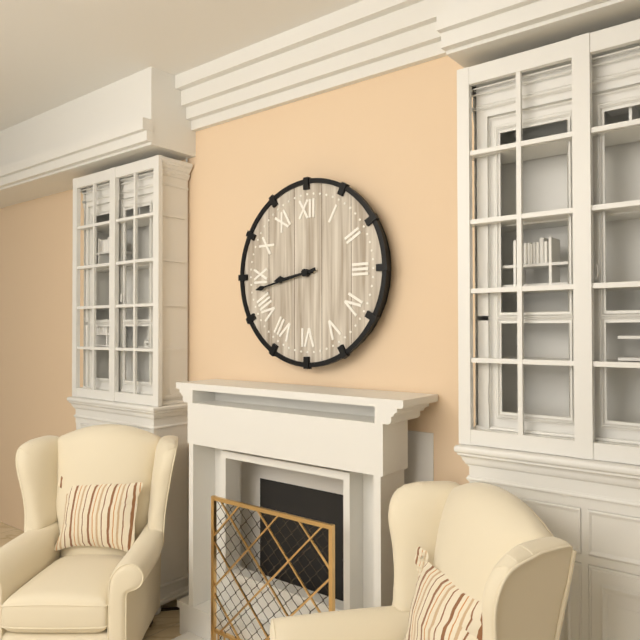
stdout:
**8:43**
